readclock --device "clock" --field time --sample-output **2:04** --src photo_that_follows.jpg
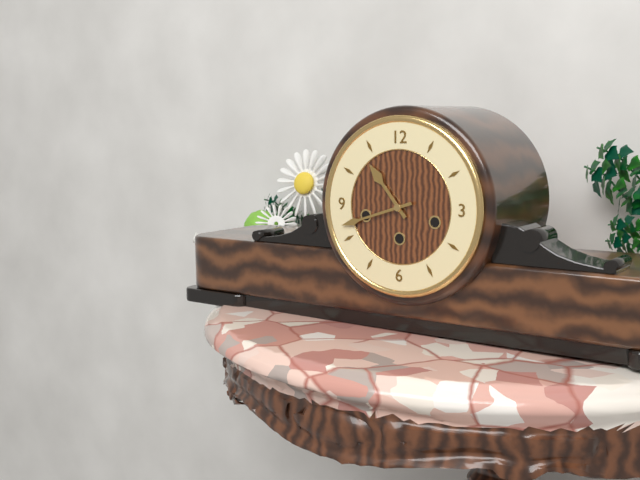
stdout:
**10:42**
